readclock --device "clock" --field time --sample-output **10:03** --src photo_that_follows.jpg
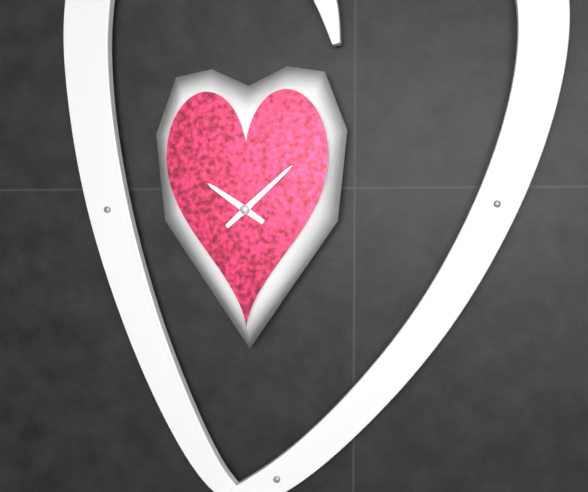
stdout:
**10:08**
